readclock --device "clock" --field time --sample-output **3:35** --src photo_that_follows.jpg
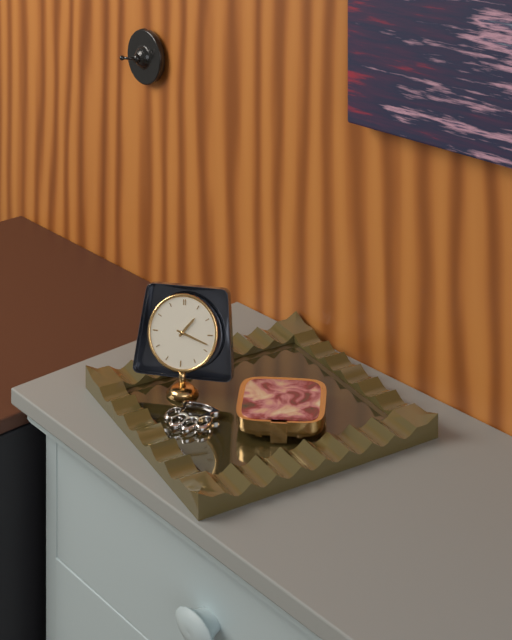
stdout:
**1:18**
